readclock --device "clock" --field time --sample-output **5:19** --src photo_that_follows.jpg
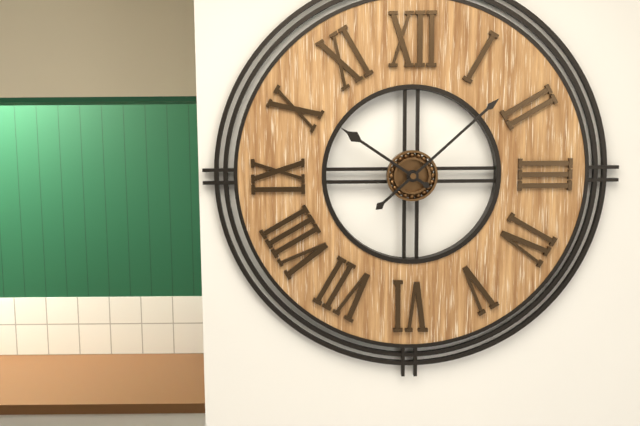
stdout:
**10:08**
